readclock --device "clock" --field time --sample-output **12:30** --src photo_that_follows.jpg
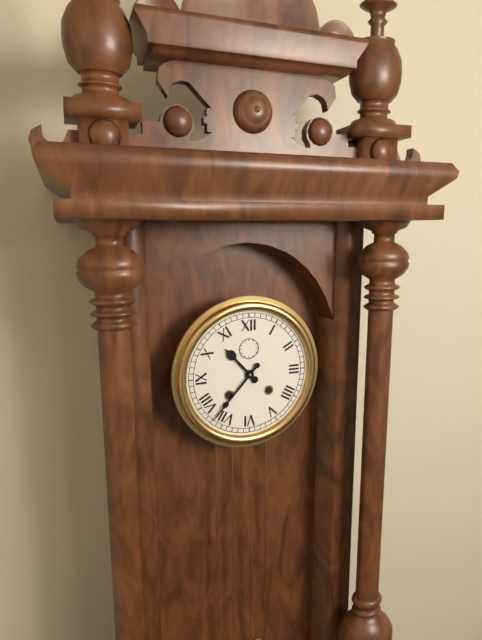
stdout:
**10:37**
